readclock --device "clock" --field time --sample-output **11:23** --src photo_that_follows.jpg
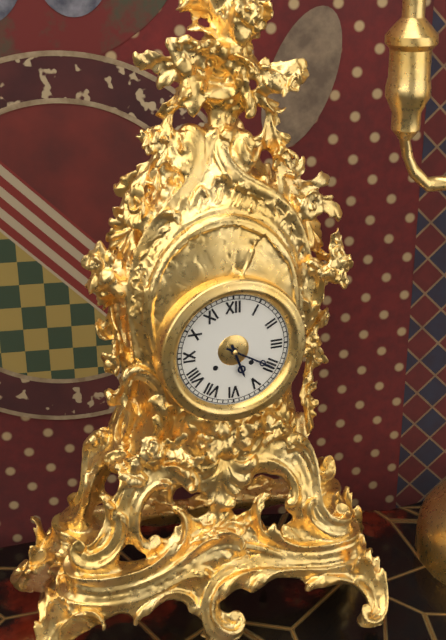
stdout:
**5:20**
